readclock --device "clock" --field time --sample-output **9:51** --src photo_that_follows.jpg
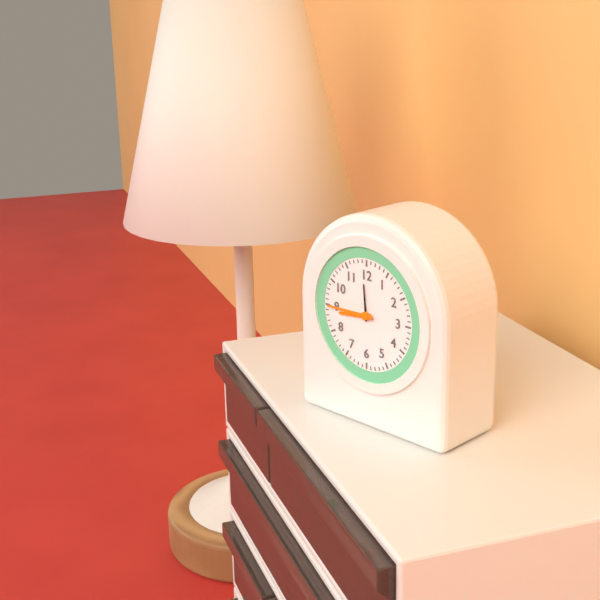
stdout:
**8:45**
